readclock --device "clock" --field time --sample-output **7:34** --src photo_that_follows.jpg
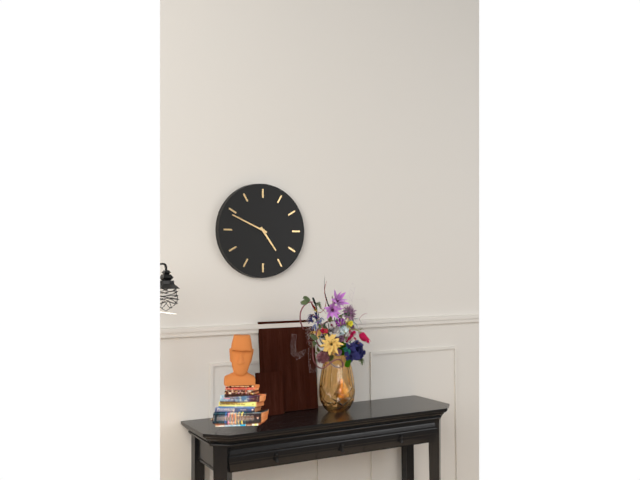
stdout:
**4:49**
